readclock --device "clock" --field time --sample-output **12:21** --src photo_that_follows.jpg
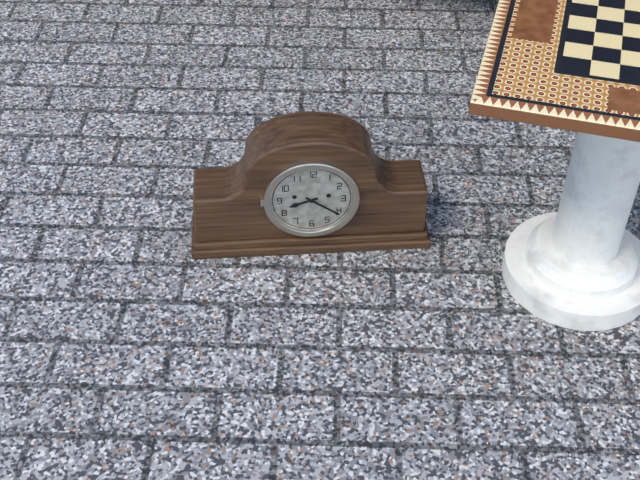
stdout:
**8:21**
